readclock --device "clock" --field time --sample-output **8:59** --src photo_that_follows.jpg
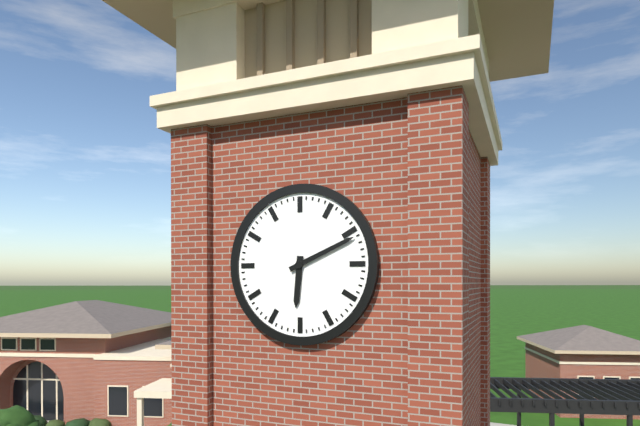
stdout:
**6:11**
